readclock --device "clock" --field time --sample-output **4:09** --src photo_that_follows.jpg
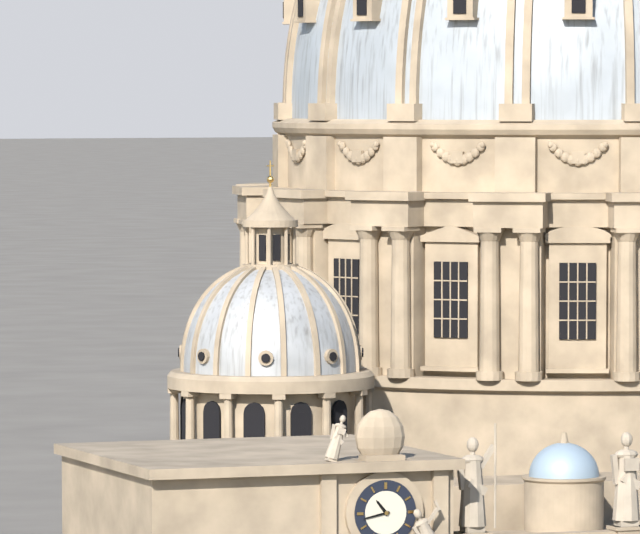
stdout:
**10:43**
